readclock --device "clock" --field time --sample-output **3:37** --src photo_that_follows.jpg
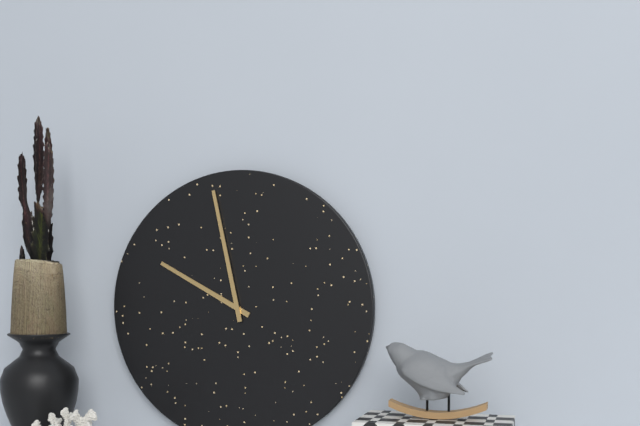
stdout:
**9:58**
